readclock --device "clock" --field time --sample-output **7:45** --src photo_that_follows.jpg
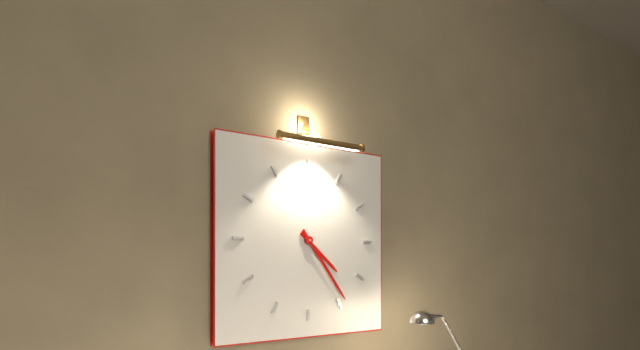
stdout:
**4:24**
